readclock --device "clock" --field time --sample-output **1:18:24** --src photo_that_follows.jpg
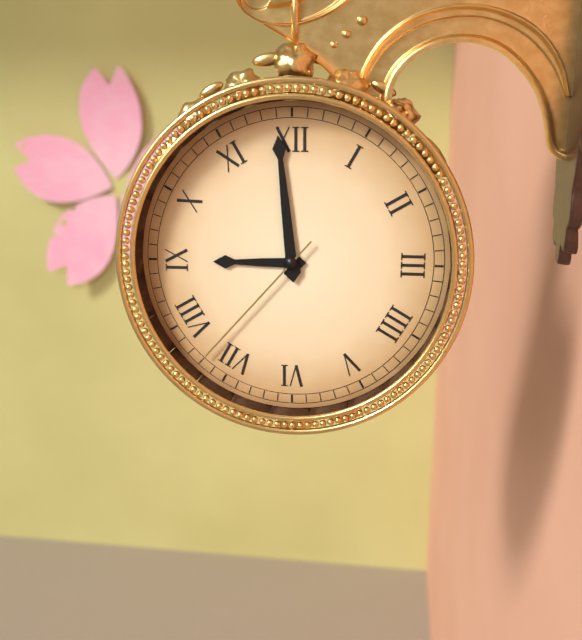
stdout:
**8:59:37**
